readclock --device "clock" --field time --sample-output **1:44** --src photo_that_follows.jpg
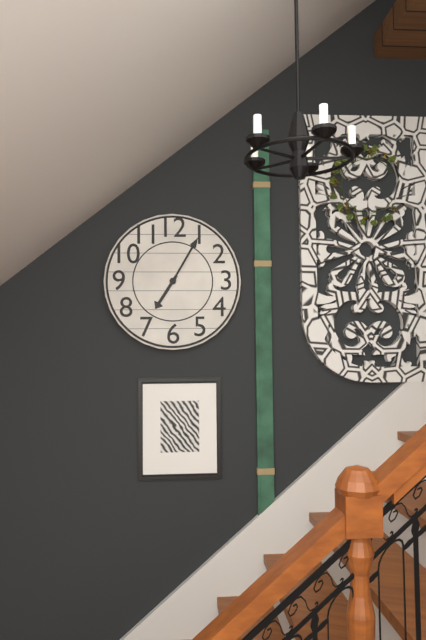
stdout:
**7:05**
